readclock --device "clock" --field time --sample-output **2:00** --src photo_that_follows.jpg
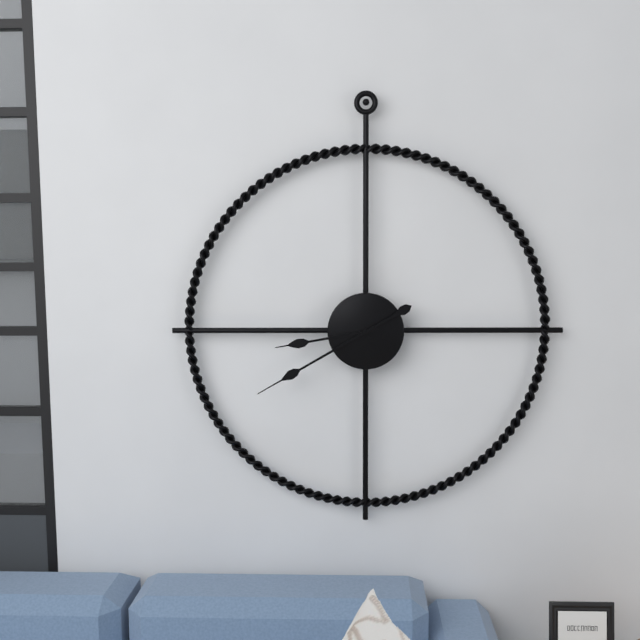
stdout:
**8:40**
